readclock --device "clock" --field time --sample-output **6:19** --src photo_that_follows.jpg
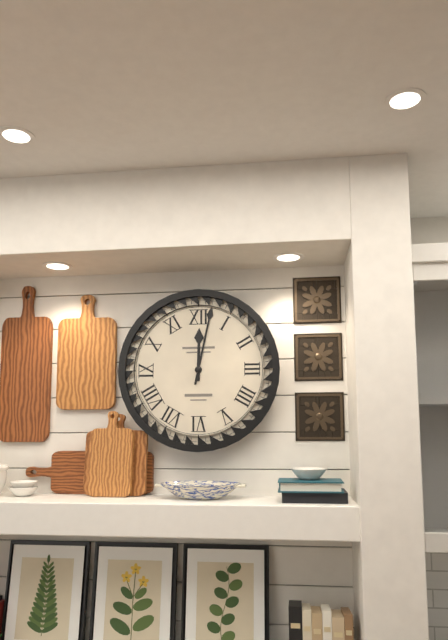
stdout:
**12:02**
